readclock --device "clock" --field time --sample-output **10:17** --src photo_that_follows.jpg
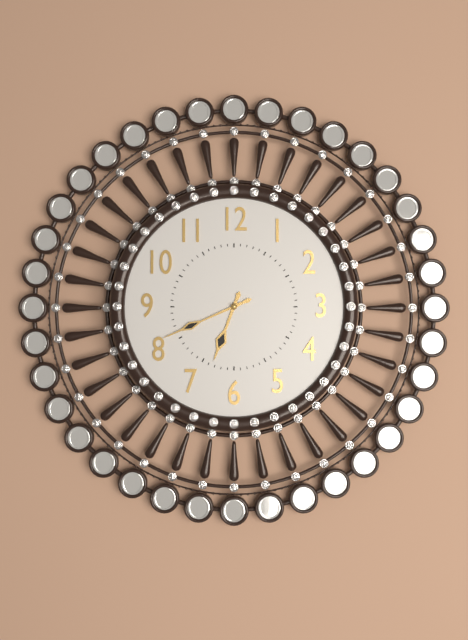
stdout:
**6:41**
